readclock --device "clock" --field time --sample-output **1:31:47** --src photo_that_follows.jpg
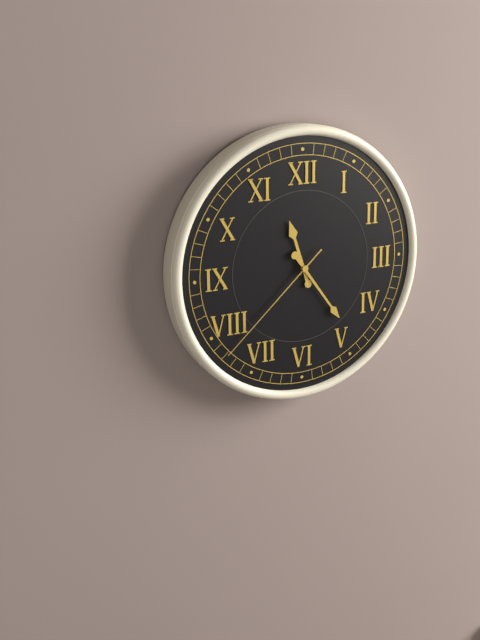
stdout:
**11:24:38**
